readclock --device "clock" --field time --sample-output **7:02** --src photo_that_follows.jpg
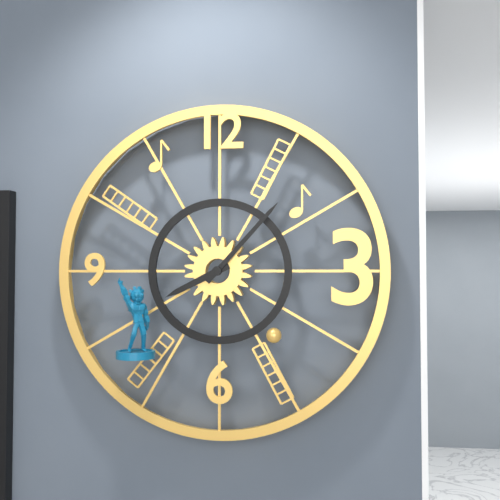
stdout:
**8:07**
